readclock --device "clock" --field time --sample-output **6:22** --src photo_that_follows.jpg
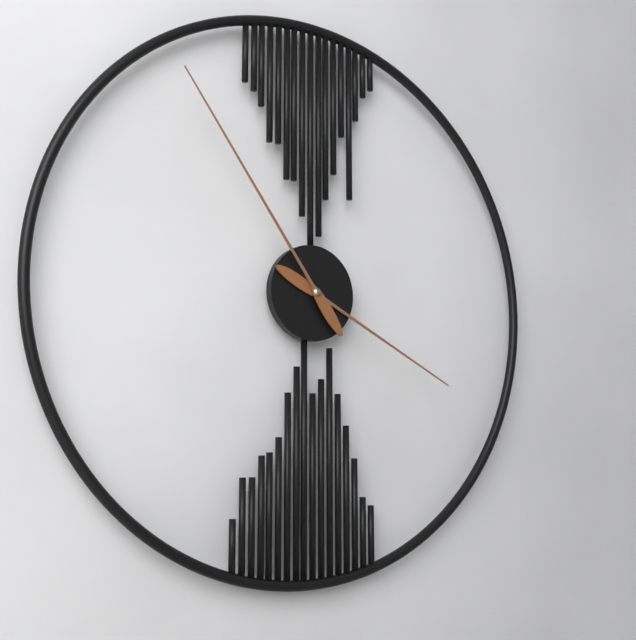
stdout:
**3:54**
